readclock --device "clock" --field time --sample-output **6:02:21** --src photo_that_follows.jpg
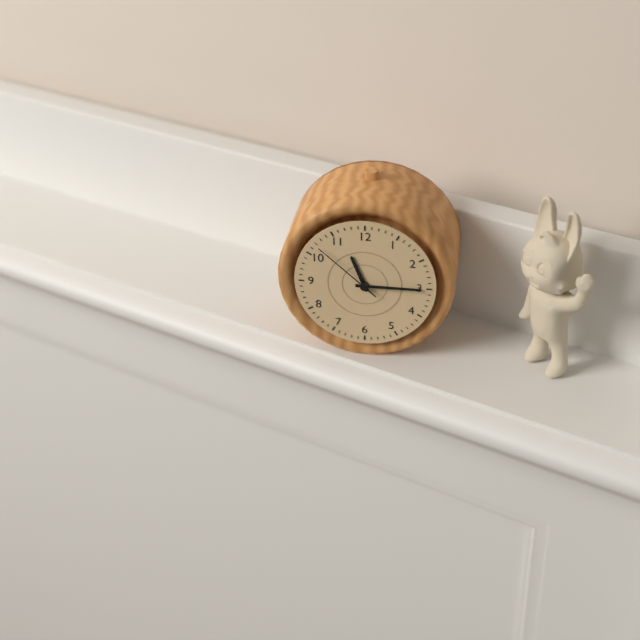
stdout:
**11:15:52**
